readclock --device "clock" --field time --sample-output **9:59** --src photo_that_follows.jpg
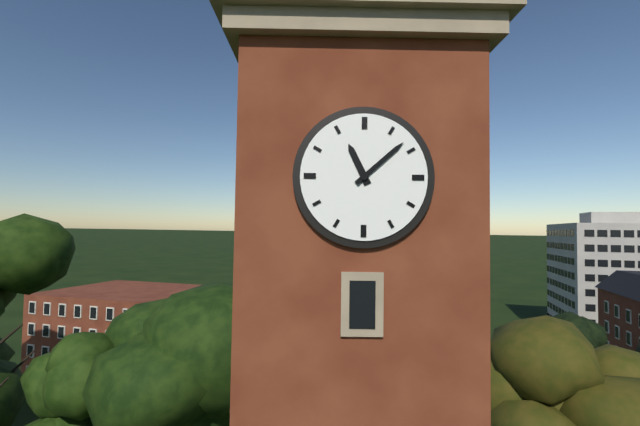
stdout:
**11:08**
